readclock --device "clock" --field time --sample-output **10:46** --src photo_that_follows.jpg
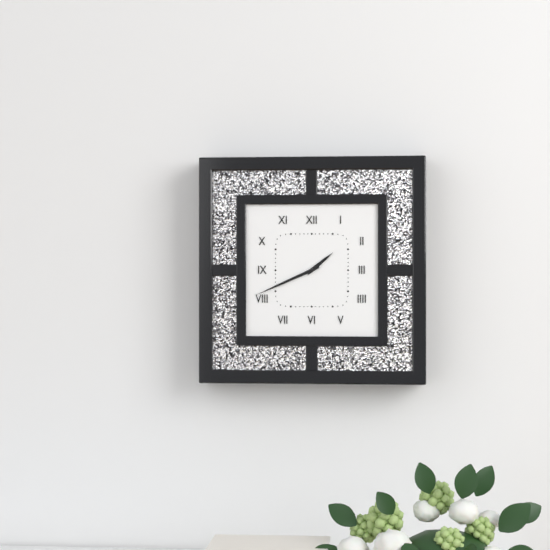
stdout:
**1:41**
